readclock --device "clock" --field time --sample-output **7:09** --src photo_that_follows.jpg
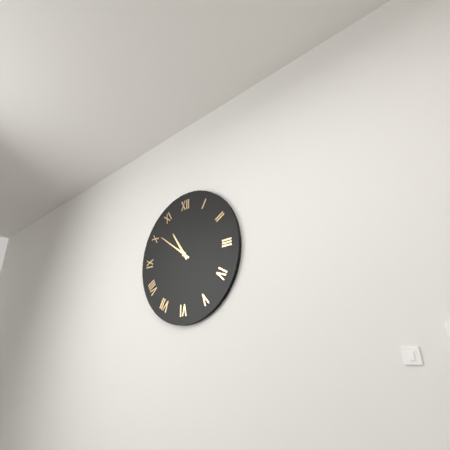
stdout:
**10:51**
